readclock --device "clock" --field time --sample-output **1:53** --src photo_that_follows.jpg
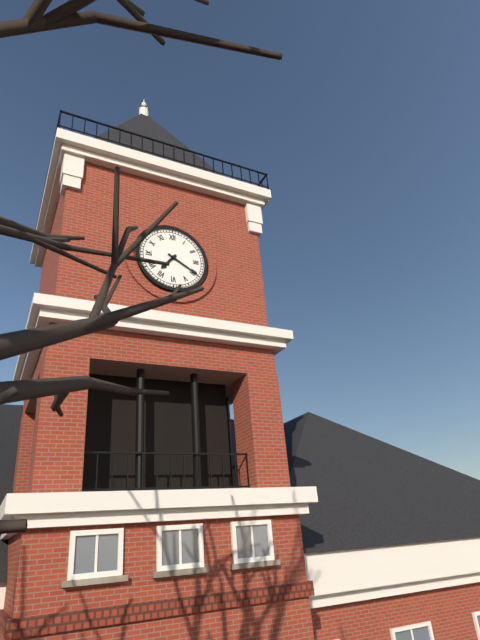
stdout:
**7:20**
